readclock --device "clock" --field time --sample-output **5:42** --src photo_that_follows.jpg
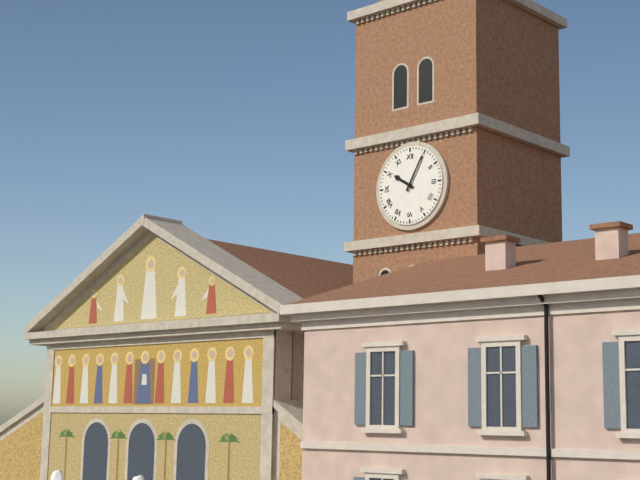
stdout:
**10:05**
